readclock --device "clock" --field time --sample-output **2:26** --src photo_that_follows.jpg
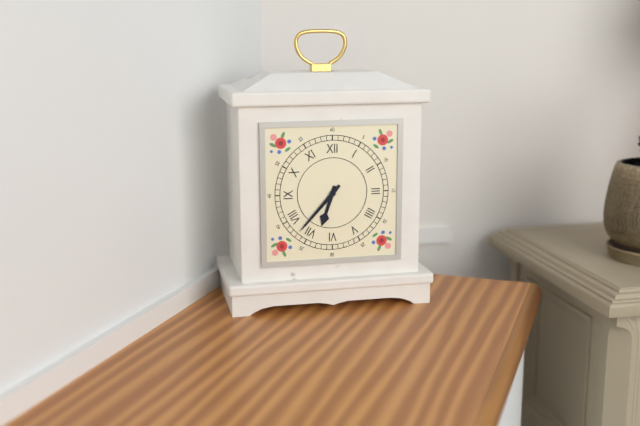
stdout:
**6:37**
